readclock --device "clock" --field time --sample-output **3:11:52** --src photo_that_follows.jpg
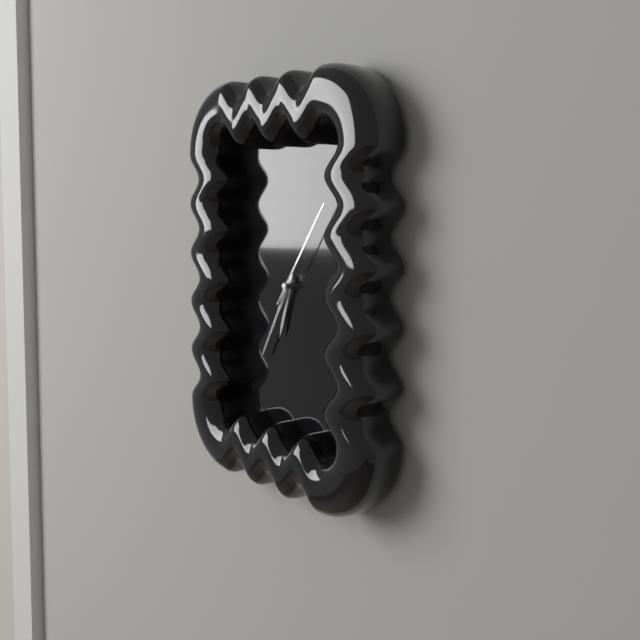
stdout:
**6:35:06**
